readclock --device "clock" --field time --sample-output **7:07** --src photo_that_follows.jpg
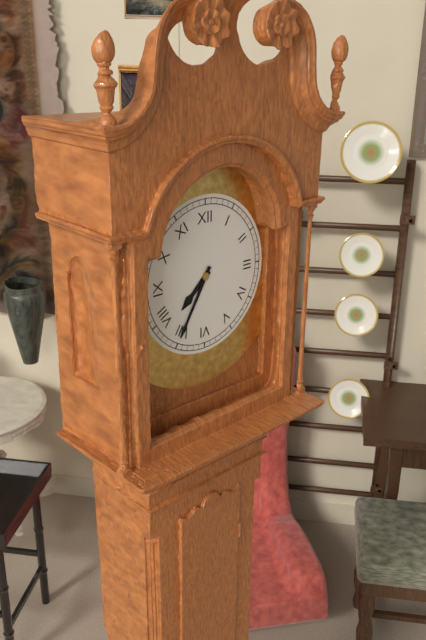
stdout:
**7:35**
